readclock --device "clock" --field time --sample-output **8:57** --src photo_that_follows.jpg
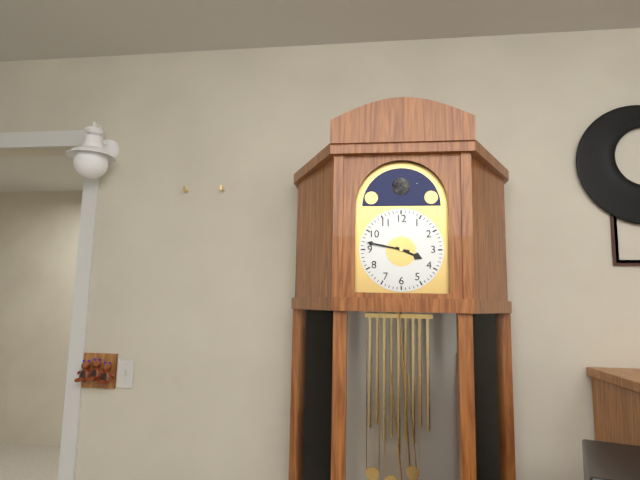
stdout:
**3:47**
